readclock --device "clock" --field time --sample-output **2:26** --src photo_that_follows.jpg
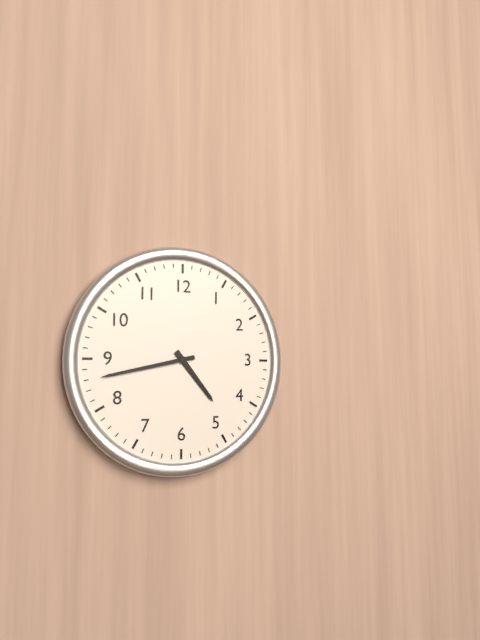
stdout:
**4:43**
